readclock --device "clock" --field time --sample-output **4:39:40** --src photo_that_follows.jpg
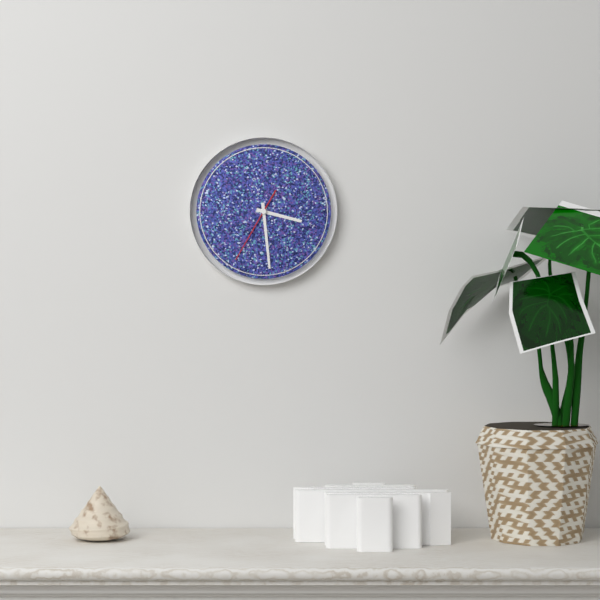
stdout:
**3:29:35**
